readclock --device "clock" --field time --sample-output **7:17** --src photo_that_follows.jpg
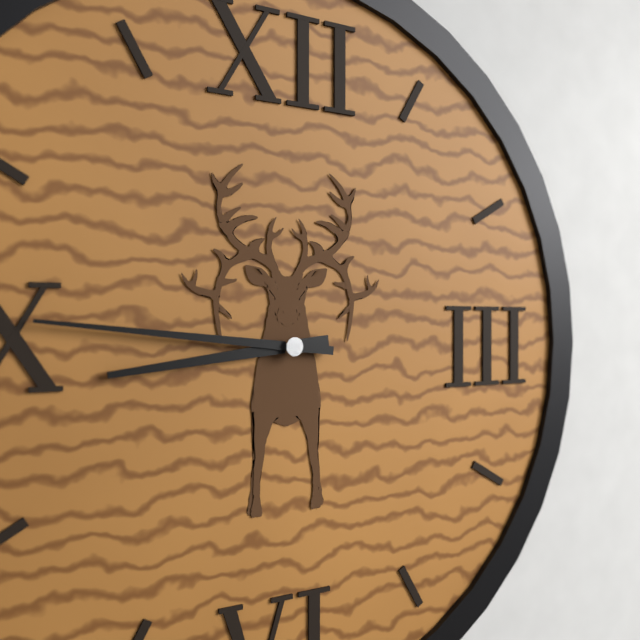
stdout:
**8:46**
